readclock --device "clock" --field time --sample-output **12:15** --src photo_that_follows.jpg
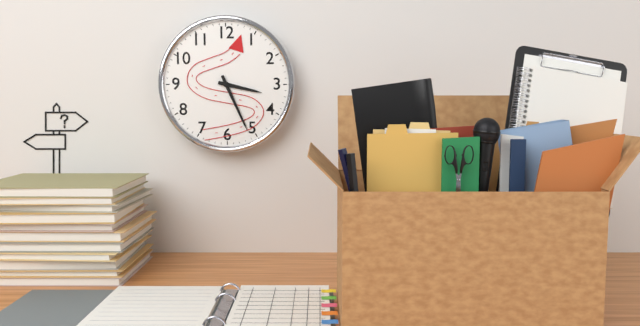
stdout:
**3:26**
